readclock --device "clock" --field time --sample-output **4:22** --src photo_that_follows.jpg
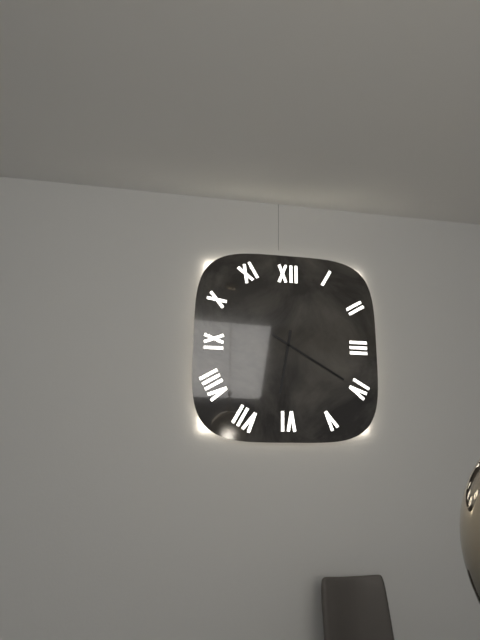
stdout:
**6:20**
